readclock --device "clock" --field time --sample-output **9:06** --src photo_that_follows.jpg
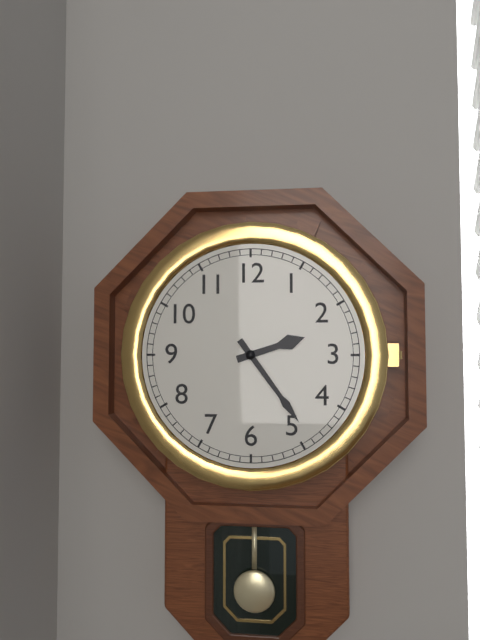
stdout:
**2:24**
